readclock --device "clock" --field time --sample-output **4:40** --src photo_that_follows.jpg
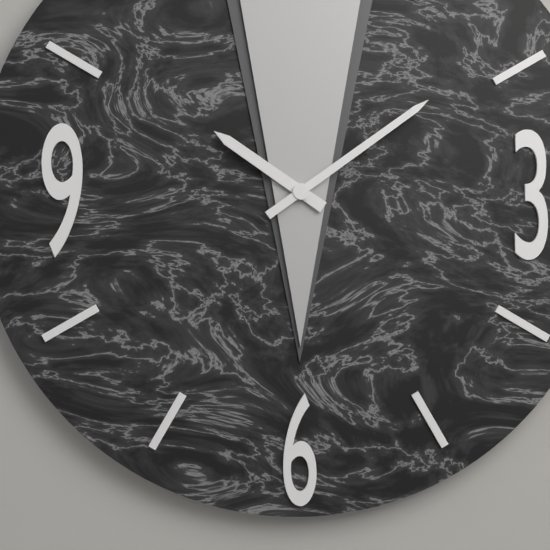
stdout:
**10:09**
